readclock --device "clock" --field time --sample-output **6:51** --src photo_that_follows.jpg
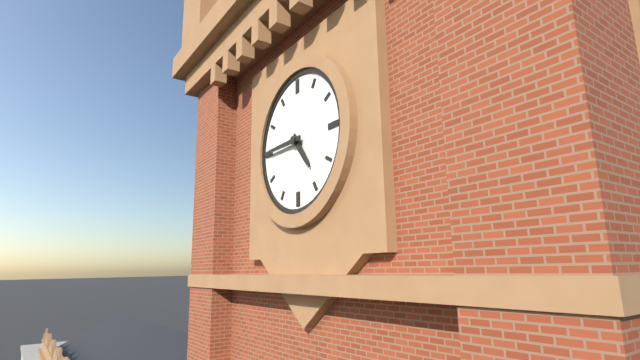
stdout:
**4:45**
